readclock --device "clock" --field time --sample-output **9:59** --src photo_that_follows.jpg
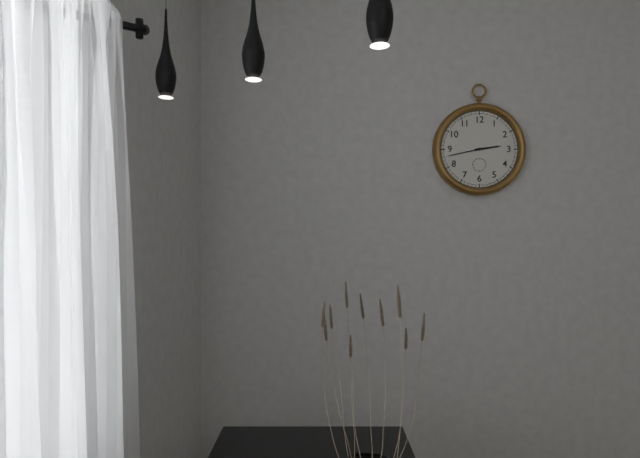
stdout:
**2:43**
